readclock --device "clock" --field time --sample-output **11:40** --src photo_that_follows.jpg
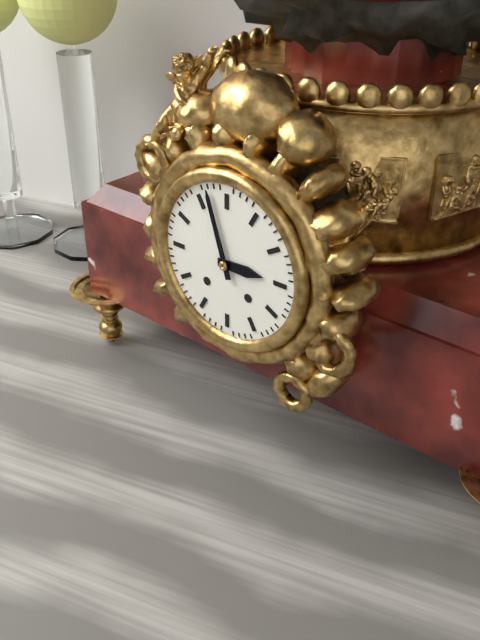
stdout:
**2:57**
